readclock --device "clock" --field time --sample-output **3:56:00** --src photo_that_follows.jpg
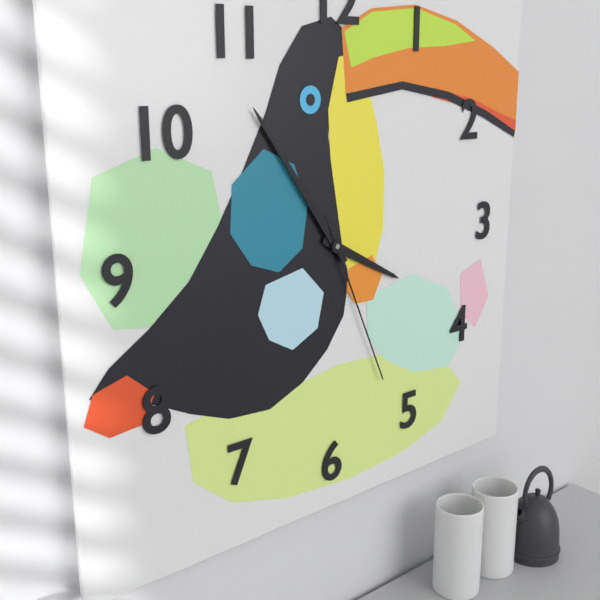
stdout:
**3:54:26**
